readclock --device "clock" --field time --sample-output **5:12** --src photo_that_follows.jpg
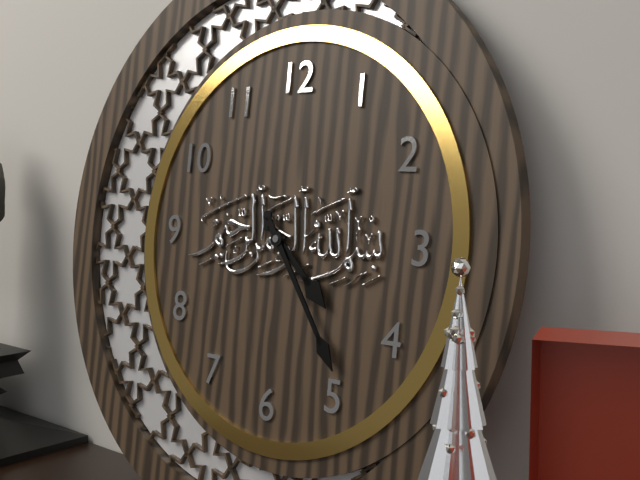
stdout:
**4:24**
